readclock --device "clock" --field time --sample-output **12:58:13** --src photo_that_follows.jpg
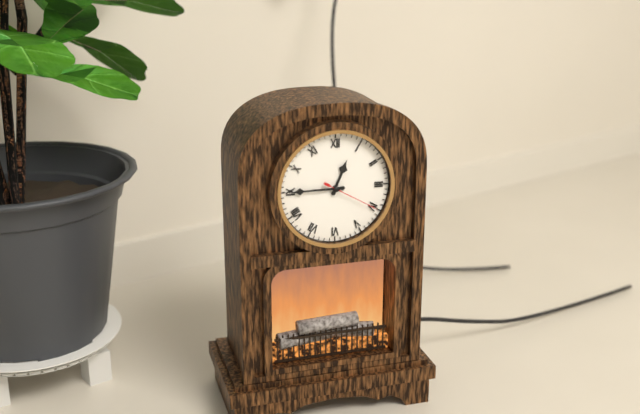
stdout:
**12:45:20**
